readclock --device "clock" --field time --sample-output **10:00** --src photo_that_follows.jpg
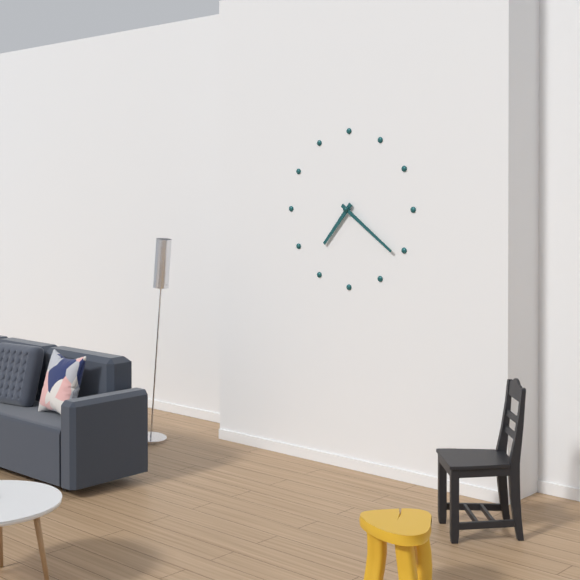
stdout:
**7:21**
